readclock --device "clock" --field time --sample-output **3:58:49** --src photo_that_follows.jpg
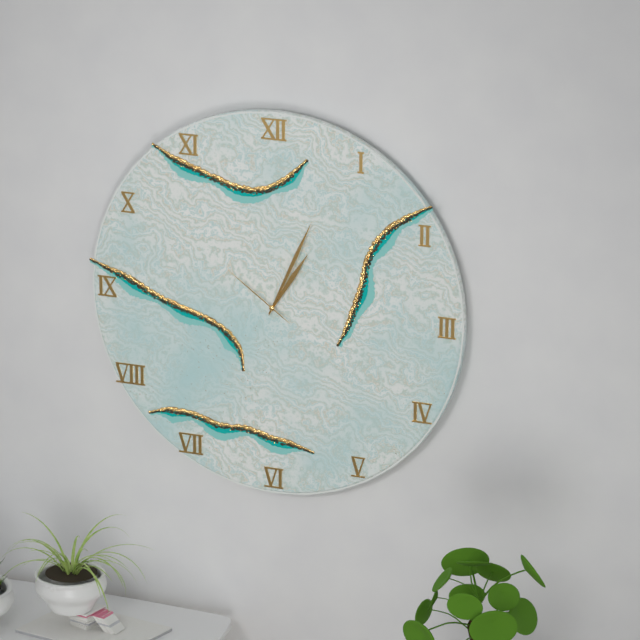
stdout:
**1:04:51**
